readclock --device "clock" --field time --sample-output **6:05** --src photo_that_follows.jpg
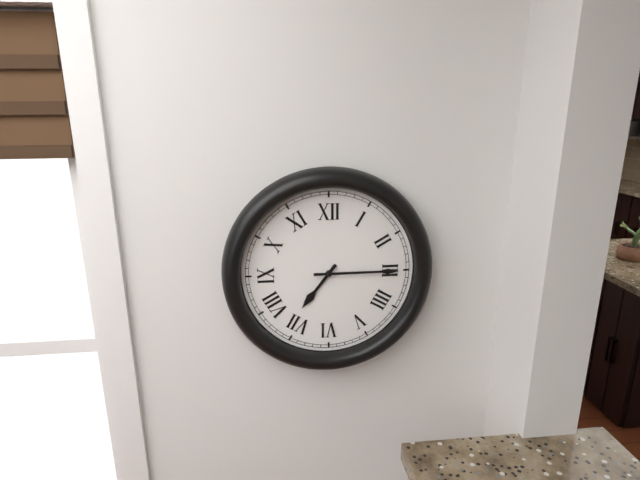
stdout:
**7:15**
